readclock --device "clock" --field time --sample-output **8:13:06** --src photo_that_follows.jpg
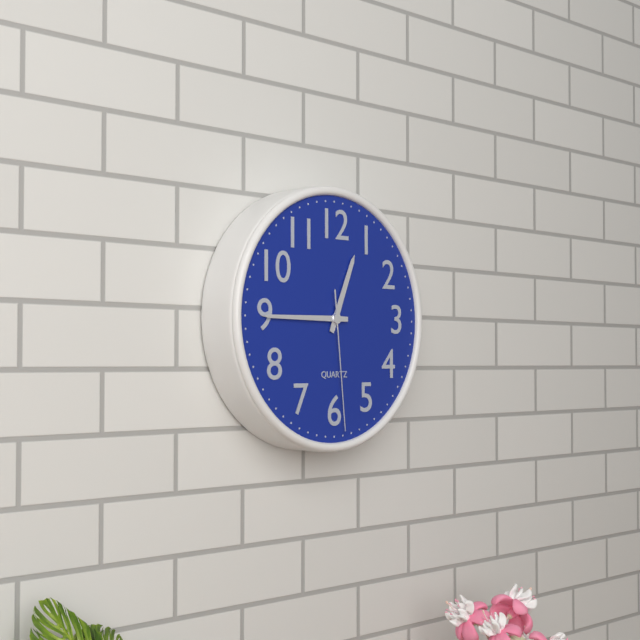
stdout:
**12:45:29**
